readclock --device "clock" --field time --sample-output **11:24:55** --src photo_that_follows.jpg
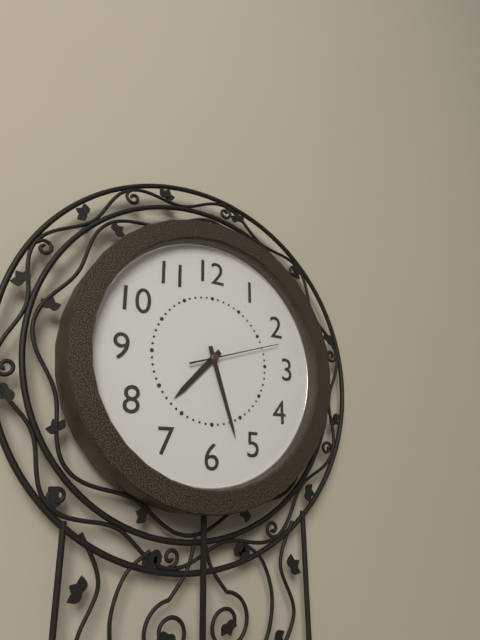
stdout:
**7:27:12**
